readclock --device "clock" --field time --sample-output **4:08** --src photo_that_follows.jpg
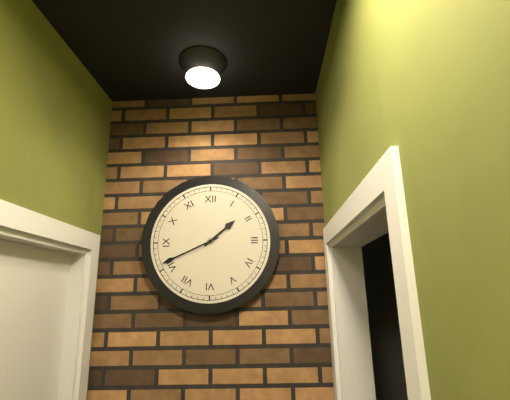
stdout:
**1:41**
